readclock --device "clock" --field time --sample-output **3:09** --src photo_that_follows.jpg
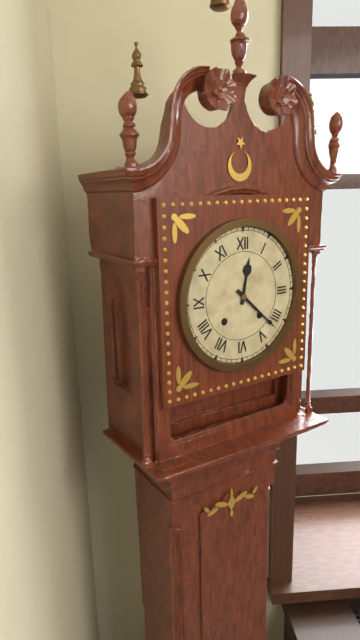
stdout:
**12:22**
